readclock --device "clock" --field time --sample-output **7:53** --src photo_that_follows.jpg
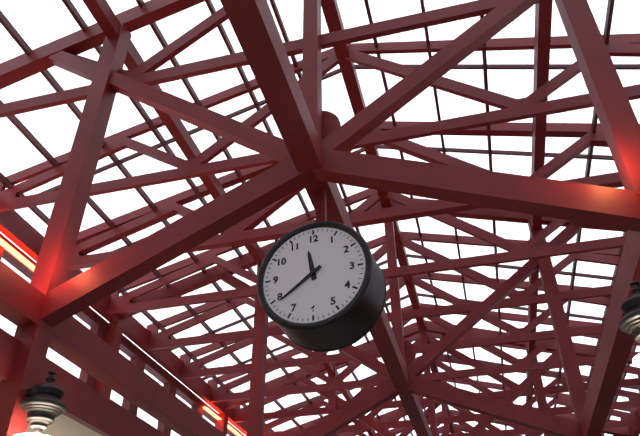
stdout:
**11:39**
